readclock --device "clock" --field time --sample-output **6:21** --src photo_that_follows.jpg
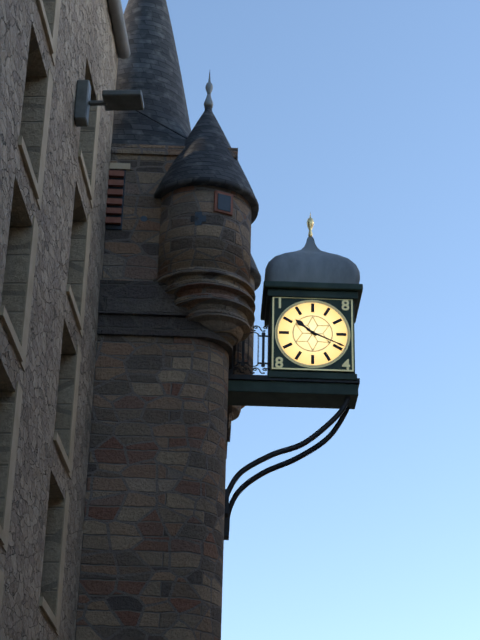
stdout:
**10:19**
